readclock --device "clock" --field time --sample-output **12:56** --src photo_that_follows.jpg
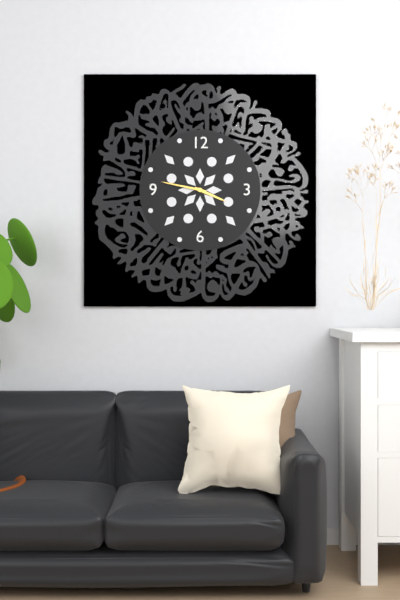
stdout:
**3:47**
